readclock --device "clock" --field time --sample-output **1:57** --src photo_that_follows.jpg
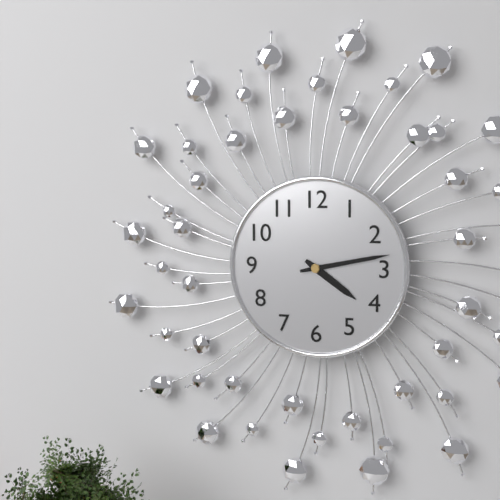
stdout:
**4:13**
